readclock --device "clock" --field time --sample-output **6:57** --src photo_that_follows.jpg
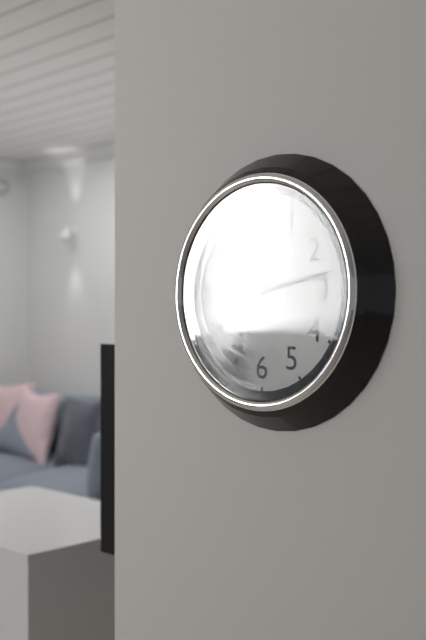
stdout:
**7:13**
